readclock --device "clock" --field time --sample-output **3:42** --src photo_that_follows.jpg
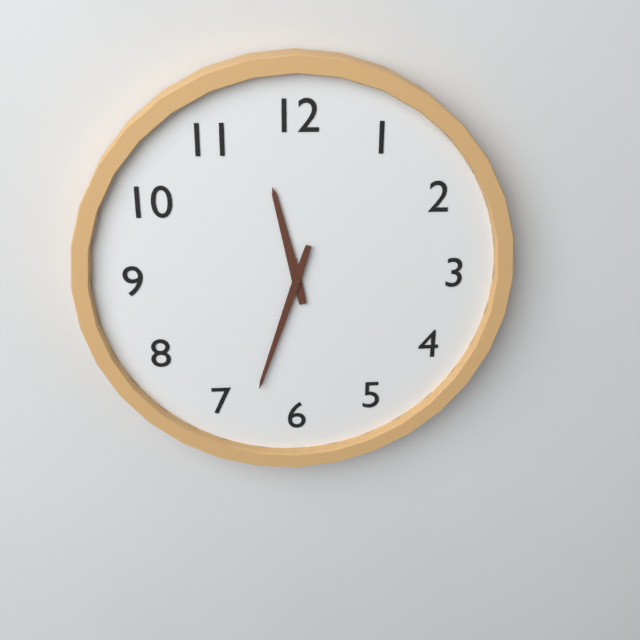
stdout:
**11:33**
